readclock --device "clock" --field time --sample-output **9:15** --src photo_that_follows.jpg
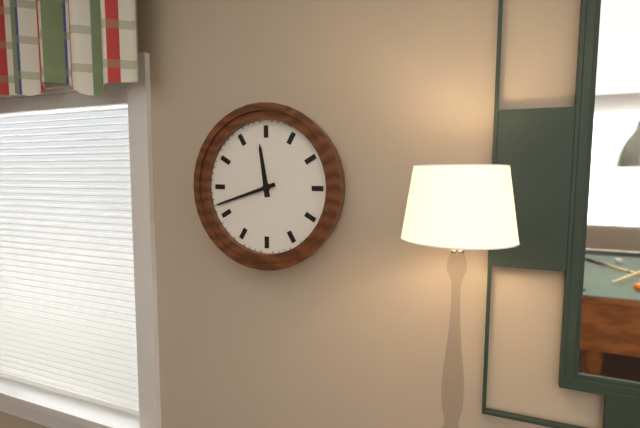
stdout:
**11:42**
